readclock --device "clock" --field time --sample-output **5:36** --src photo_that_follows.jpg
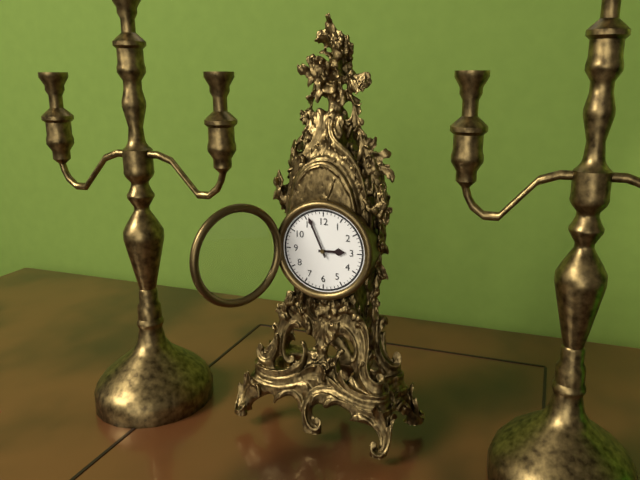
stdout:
**2:56**
